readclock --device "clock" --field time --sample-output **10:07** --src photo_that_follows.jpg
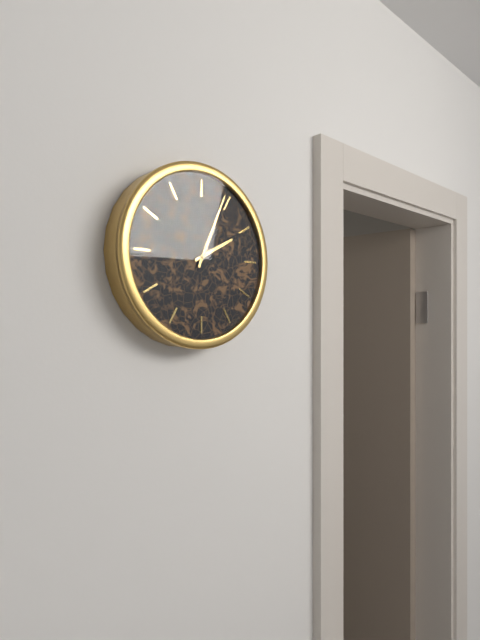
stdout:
**2:04**
